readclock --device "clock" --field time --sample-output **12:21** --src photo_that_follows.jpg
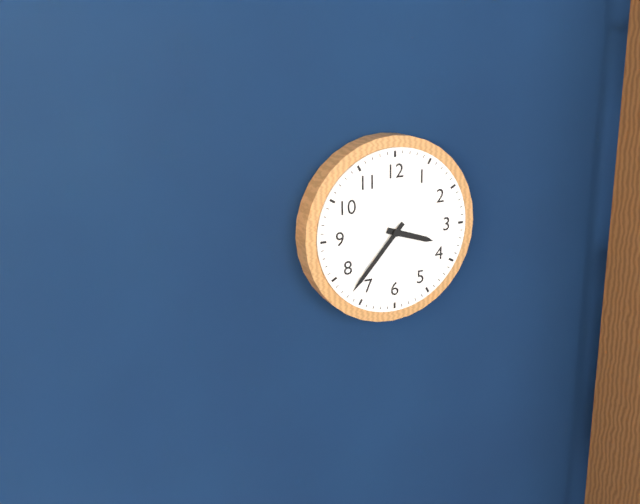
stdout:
**3:37**
